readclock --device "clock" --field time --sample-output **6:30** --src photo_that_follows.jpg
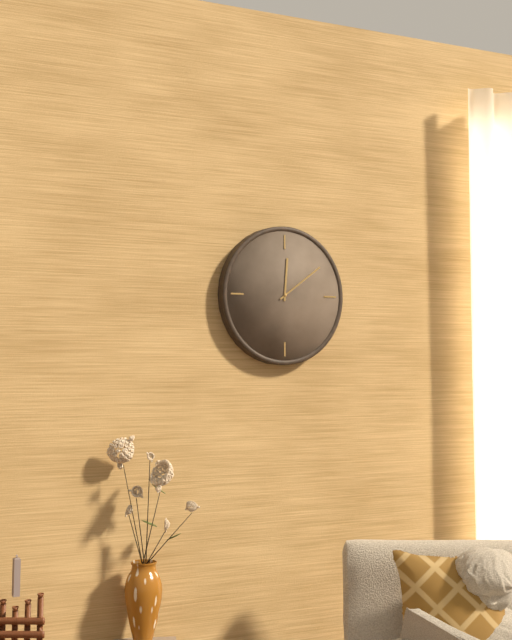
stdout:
**12:09**
